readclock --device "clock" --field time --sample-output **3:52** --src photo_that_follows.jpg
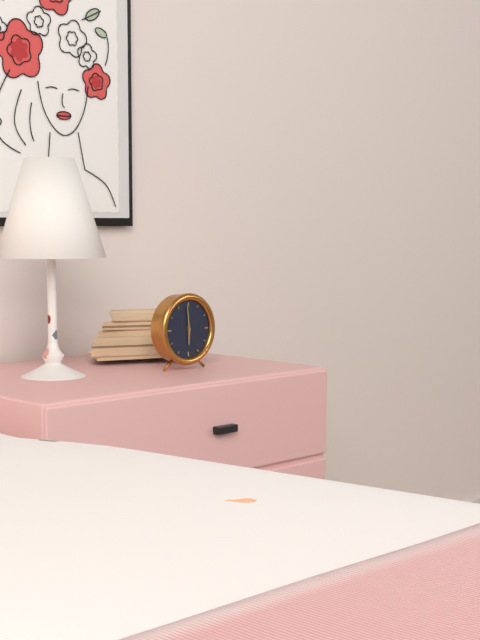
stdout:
**5:59**
